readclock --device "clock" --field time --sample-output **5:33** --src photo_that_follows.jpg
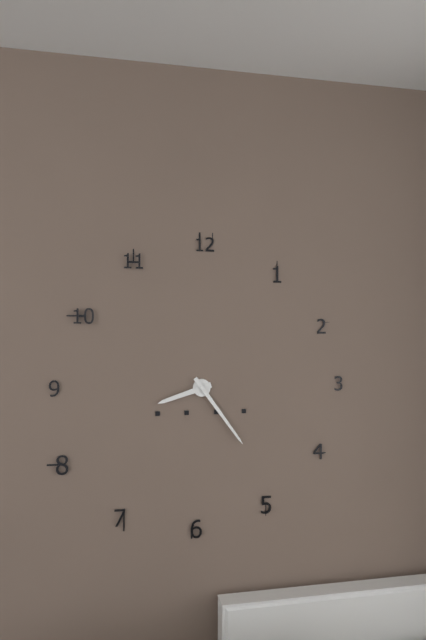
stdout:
**8:24**
